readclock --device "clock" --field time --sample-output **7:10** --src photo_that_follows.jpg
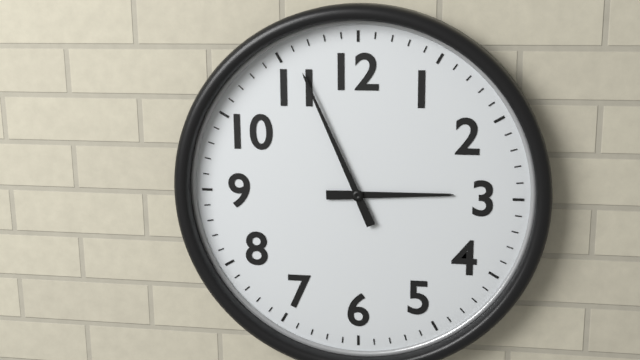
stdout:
**2:56**
